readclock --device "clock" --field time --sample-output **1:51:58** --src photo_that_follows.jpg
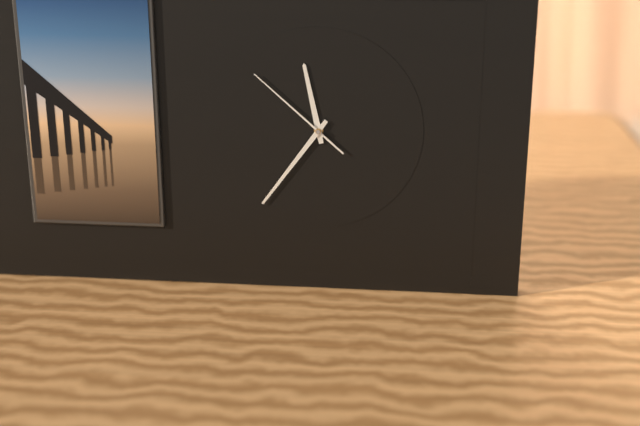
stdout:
**11:36:52**
